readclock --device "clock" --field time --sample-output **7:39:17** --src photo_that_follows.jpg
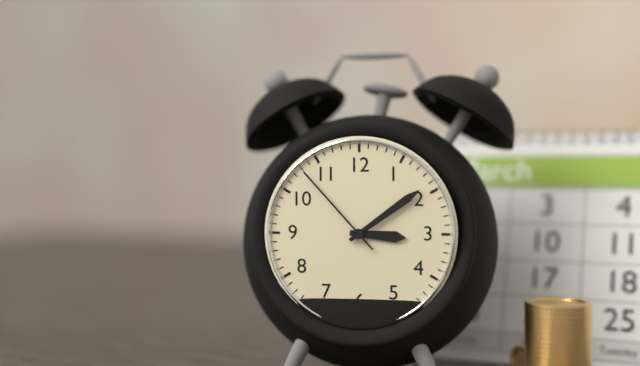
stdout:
**3:09:53**
